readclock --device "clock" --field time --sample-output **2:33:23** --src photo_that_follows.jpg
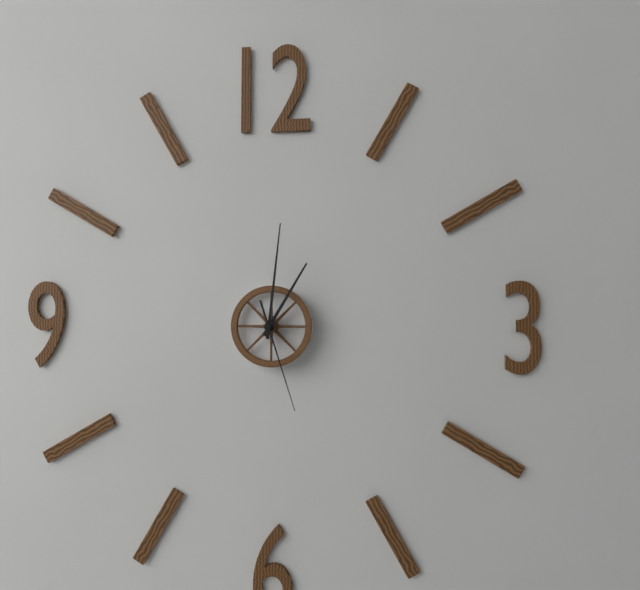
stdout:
**1:01:27**
